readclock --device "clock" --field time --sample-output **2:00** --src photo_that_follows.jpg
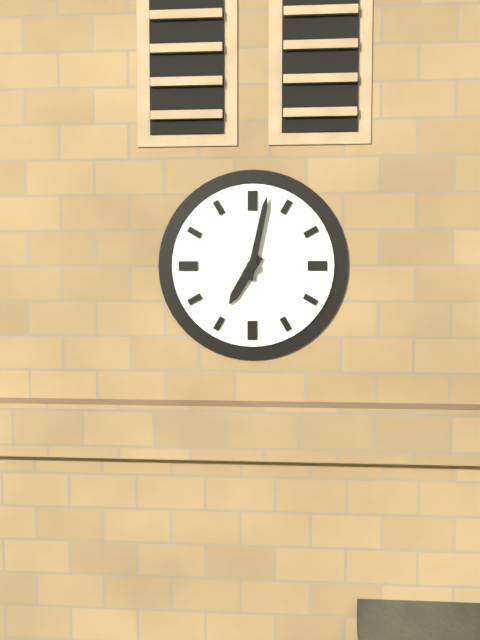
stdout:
**7:02**
